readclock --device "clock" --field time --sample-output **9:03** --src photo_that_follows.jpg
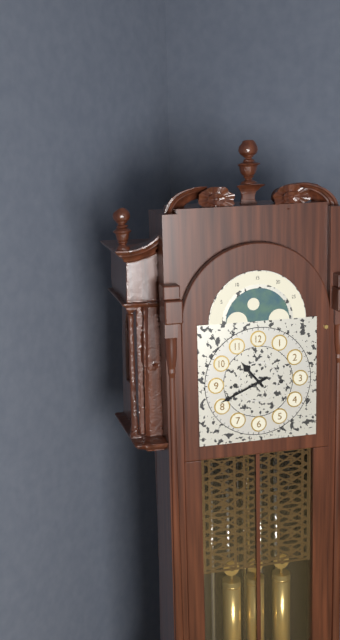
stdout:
**10:41**
